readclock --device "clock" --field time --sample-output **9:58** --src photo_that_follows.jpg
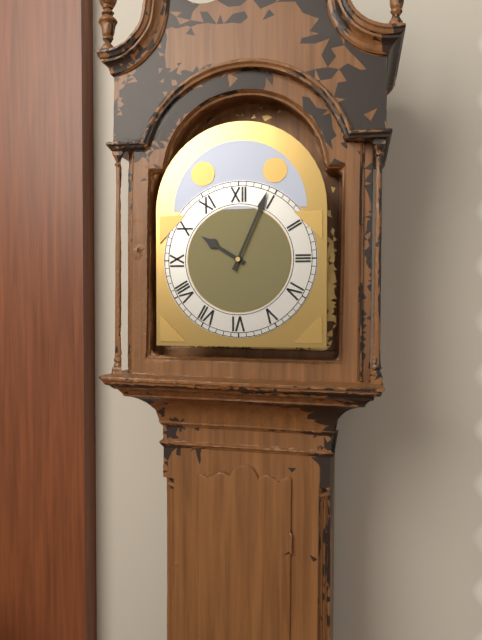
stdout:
**10:04**
